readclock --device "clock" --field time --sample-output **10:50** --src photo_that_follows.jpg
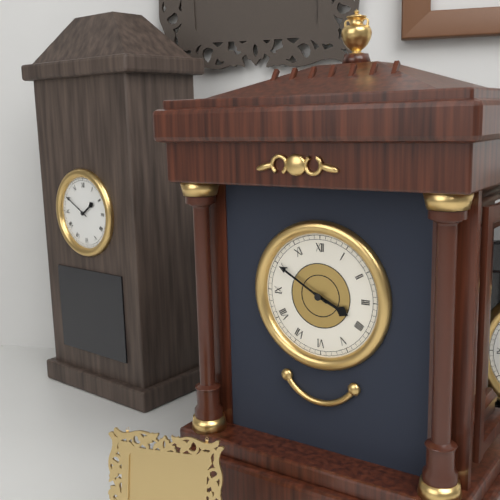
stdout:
**3:50**
